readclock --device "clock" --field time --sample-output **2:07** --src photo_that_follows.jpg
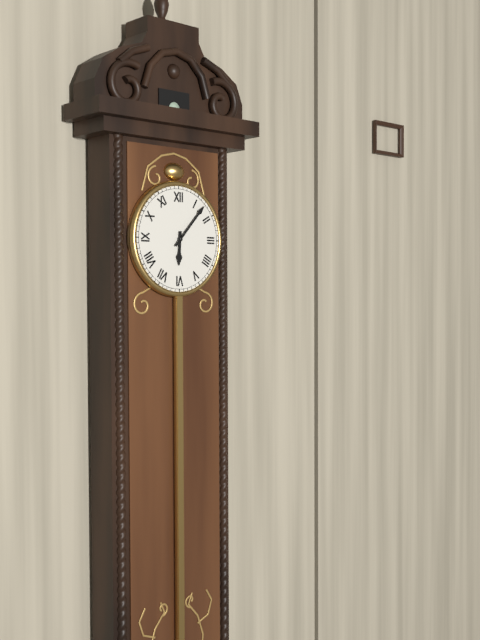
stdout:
**6:07**
